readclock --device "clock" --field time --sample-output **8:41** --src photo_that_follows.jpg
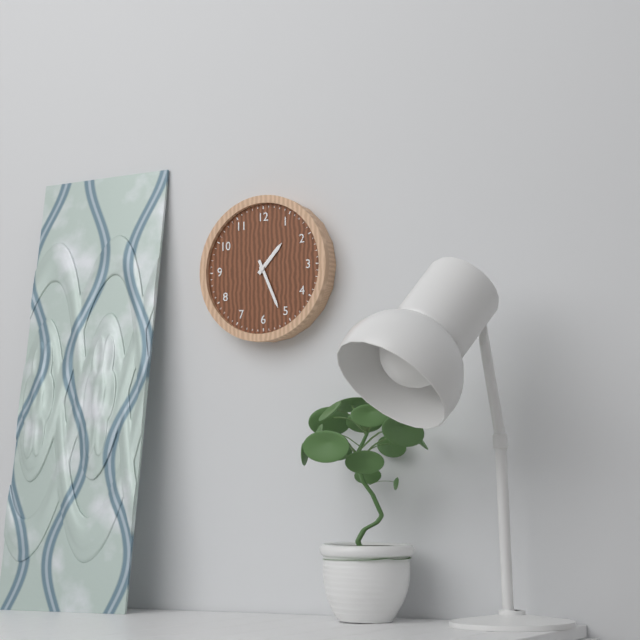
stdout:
**1:26**
